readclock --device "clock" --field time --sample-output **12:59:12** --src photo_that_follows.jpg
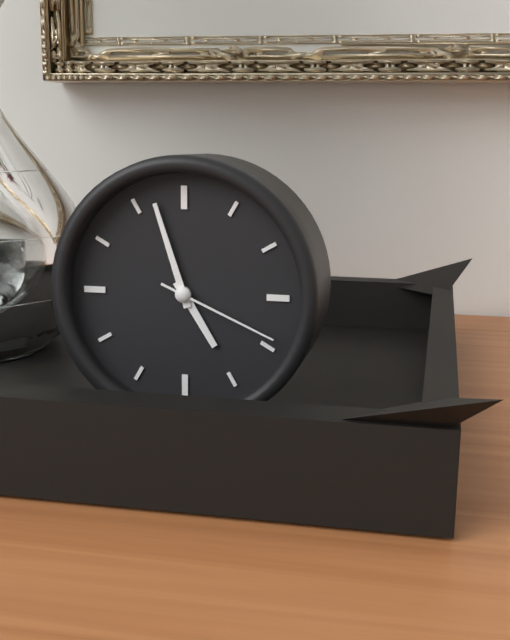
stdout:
**4:57:19**
